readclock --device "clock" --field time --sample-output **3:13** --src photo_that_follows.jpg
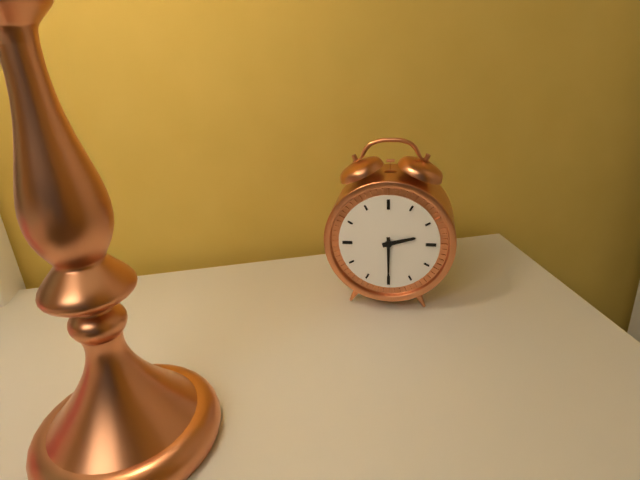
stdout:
**2:30**
